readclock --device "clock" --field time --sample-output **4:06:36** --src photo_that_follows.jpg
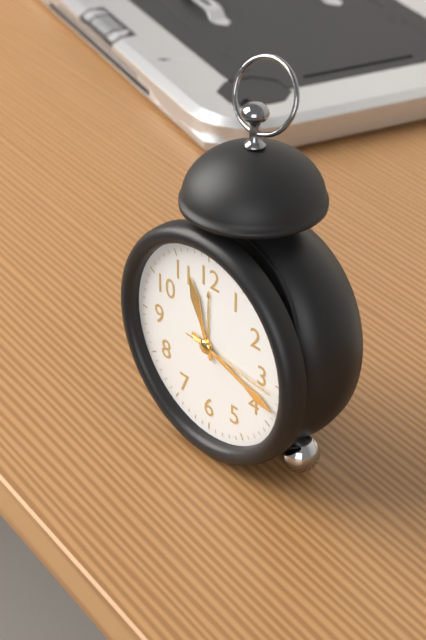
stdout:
**11:18:16**
